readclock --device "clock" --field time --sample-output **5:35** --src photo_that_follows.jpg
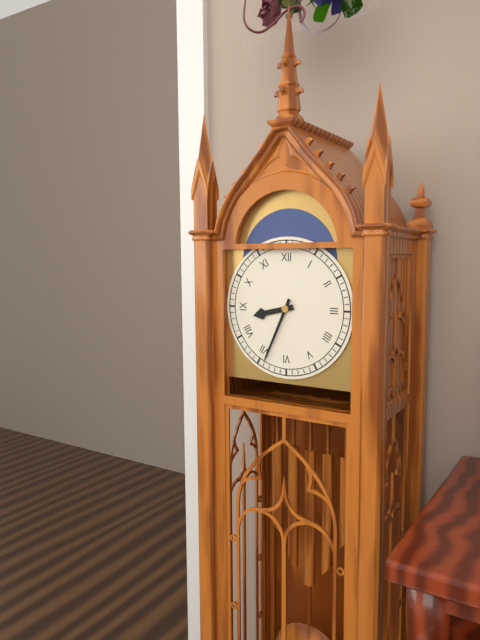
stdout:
**8:34**
